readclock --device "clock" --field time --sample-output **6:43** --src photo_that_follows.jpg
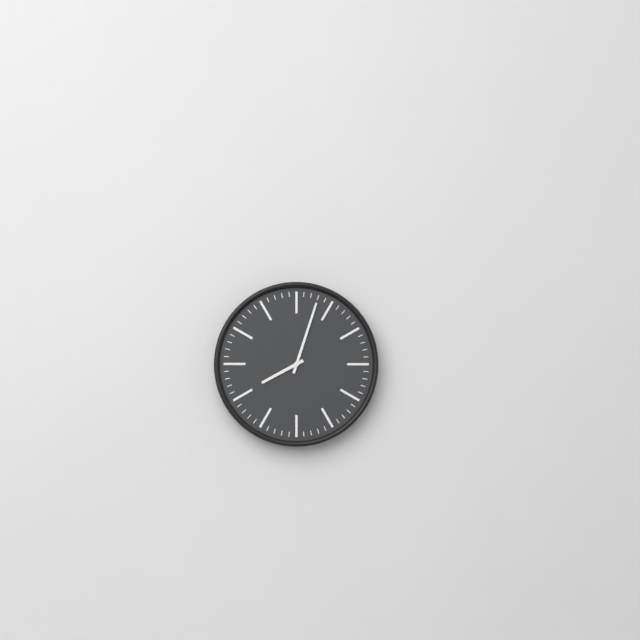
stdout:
**8:03**
